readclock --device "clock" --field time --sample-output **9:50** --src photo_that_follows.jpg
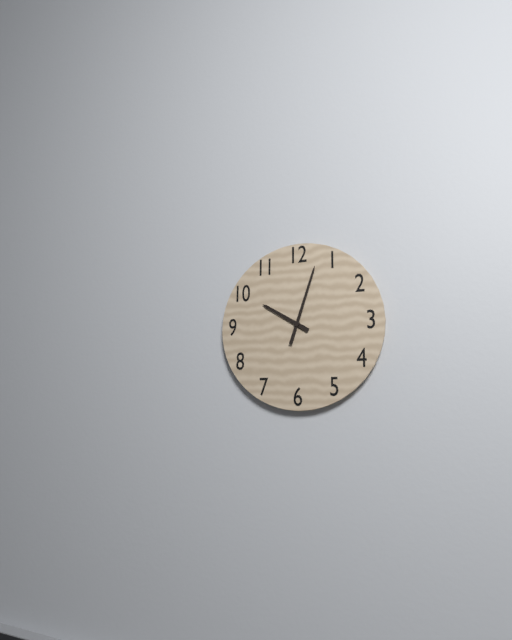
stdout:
**10:03**
